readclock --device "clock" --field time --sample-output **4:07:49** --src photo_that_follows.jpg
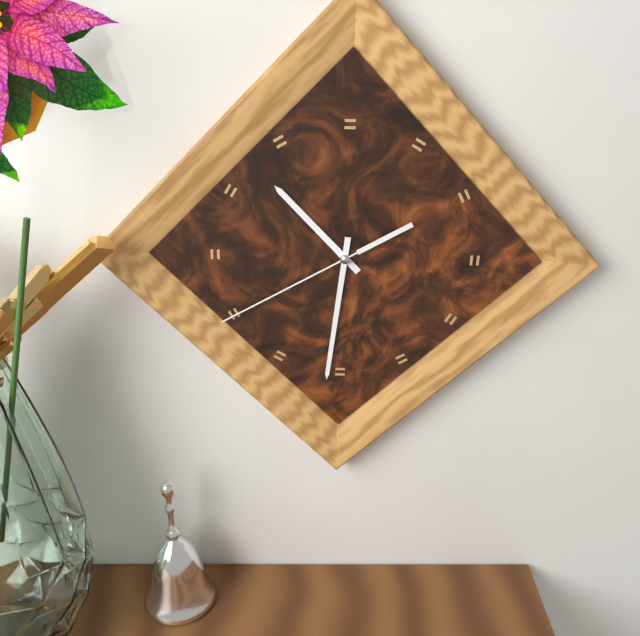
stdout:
**10:31:40**
